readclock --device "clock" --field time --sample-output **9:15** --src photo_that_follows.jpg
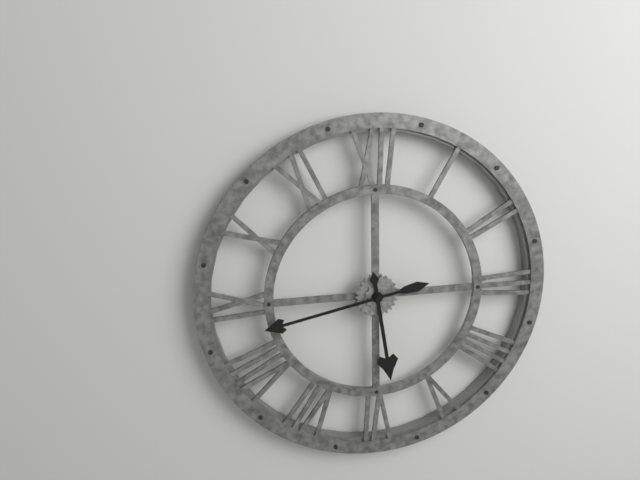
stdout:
**5:43**
